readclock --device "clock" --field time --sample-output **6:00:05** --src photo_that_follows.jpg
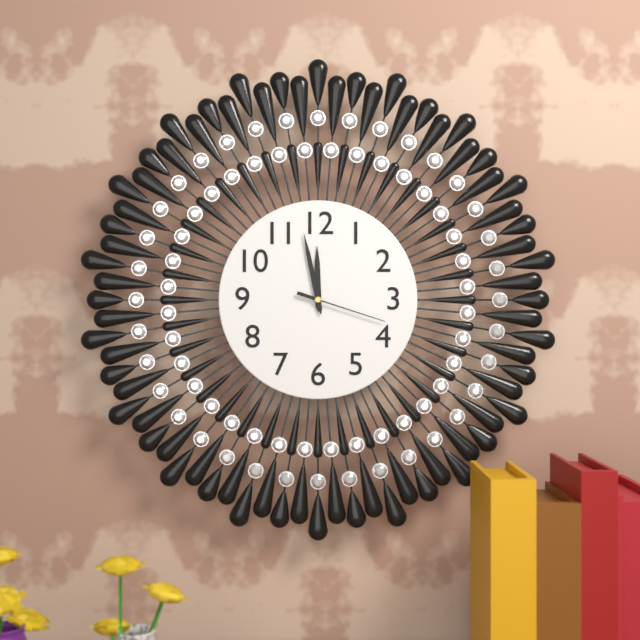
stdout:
**11:58:18**
